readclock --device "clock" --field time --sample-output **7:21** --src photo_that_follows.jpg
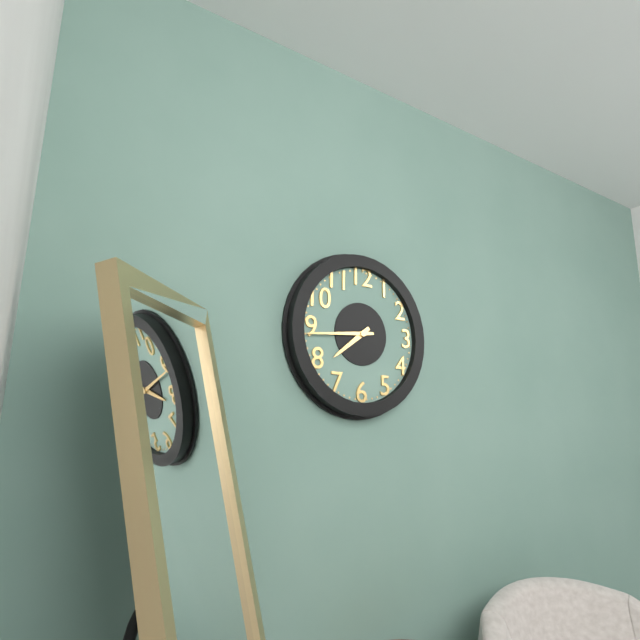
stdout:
**7:44**
